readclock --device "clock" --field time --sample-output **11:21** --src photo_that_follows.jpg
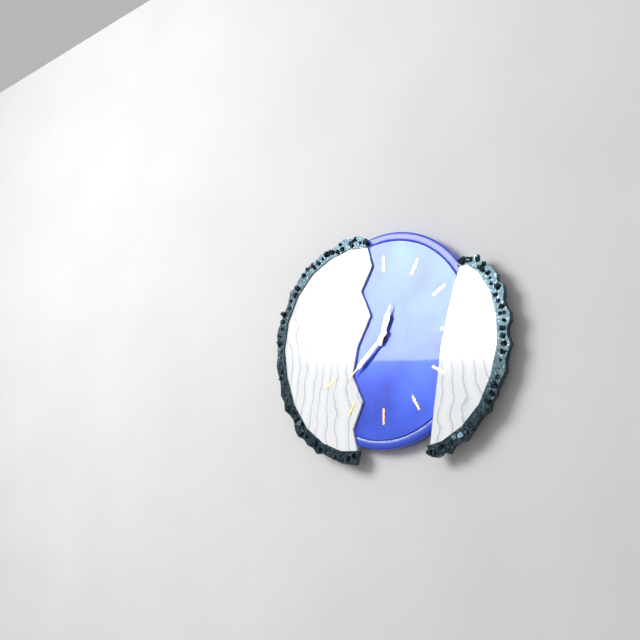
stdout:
**12:38**
